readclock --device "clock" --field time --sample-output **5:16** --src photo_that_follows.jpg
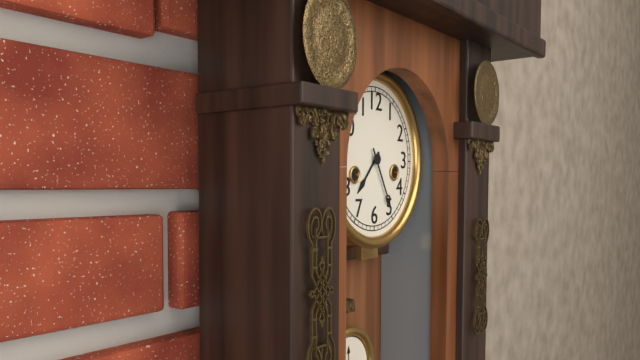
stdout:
**7:25**
